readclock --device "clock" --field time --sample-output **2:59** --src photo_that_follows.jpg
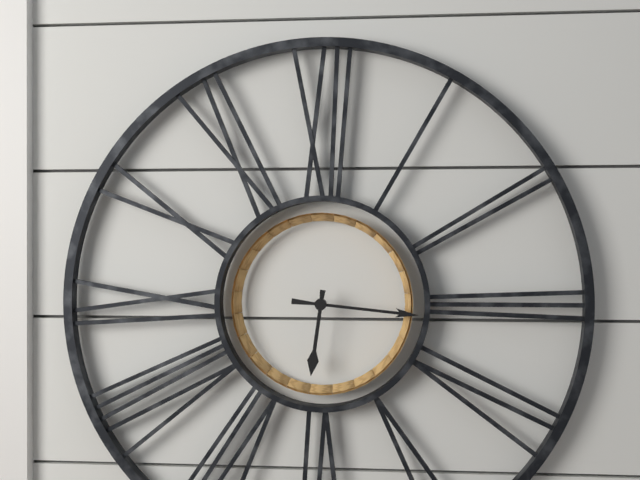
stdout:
**6:16**
